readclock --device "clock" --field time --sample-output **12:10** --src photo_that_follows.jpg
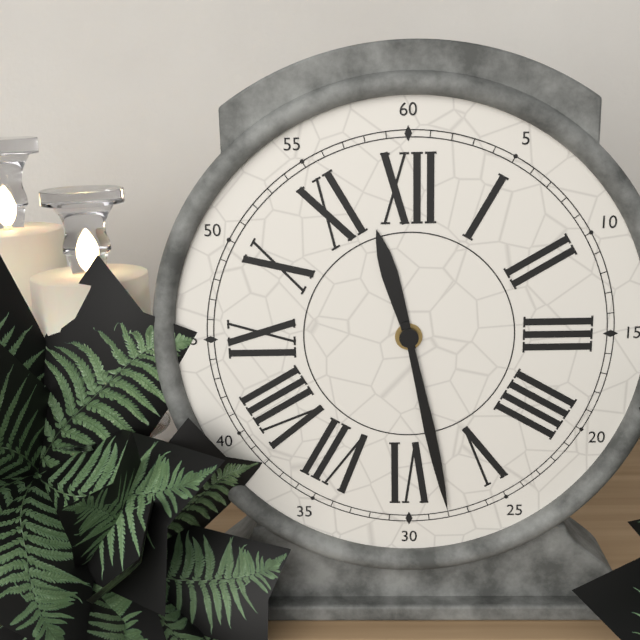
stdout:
**11:28**
